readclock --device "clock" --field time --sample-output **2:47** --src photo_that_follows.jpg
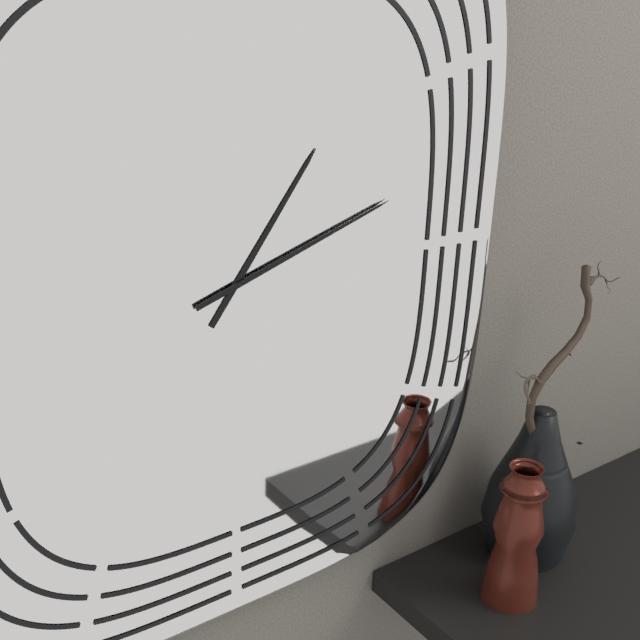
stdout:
**1:12**
